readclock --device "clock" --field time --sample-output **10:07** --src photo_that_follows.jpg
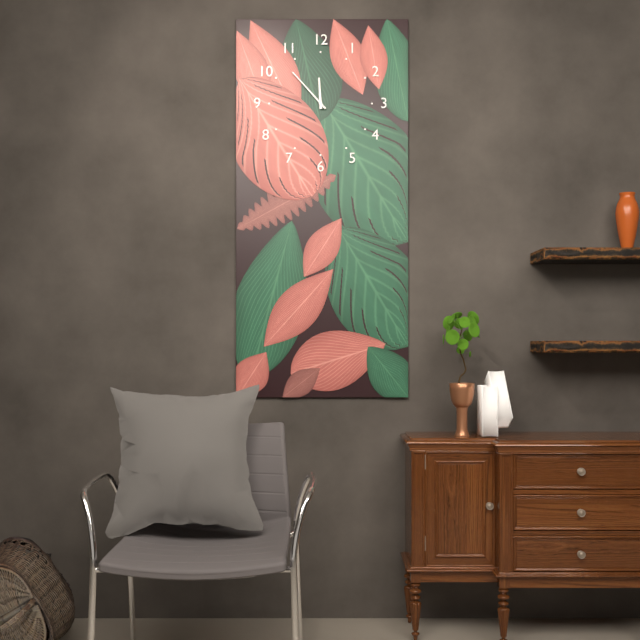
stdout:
**11:53**
